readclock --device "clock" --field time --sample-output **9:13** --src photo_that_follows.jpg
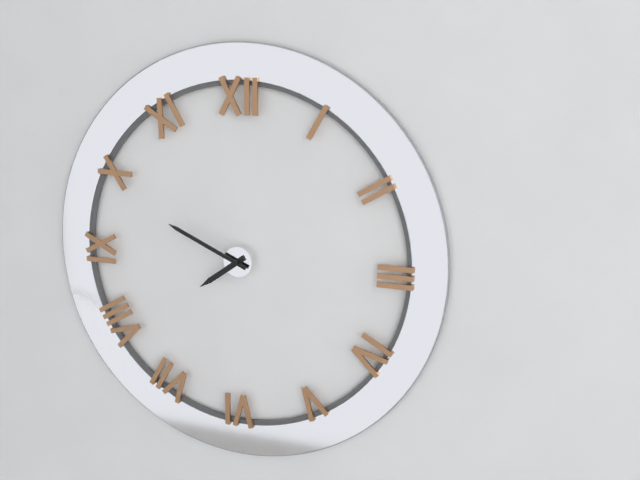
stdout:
**7:49**
